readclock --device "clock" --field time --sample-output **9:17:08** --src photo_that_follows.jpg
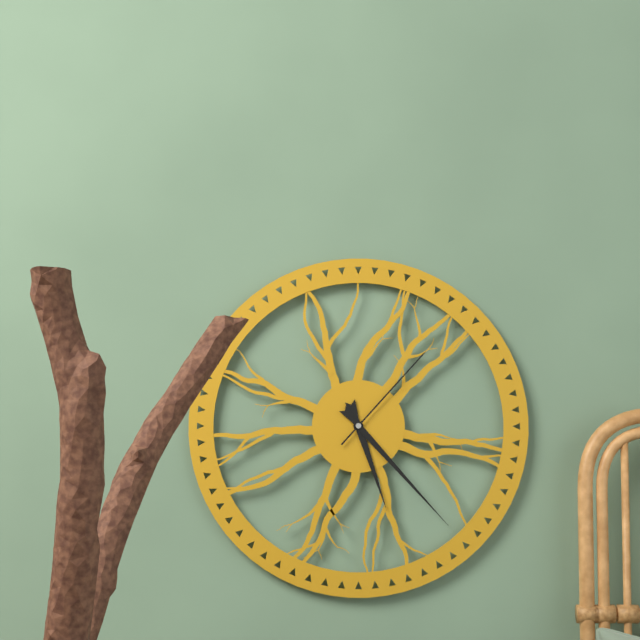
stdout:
**5:23:07**
